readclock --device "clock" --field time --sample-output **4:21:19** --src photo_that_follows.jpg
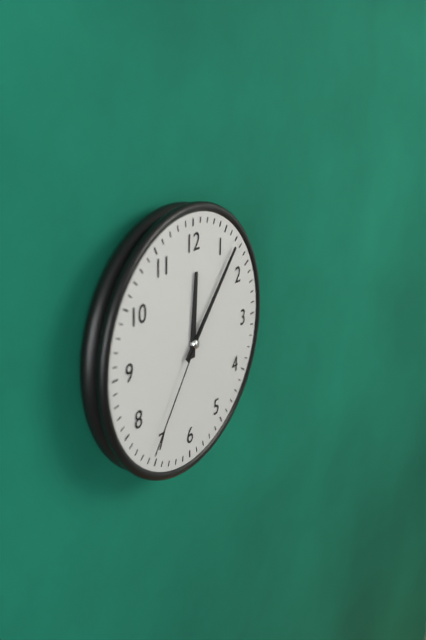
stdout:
**12:07:36**
